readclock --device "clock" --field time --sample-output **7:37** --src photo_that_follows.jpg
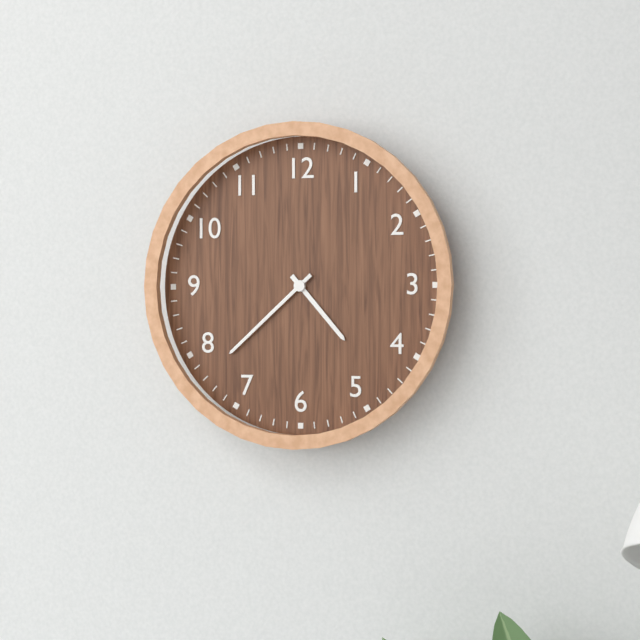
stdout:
**4:38**
